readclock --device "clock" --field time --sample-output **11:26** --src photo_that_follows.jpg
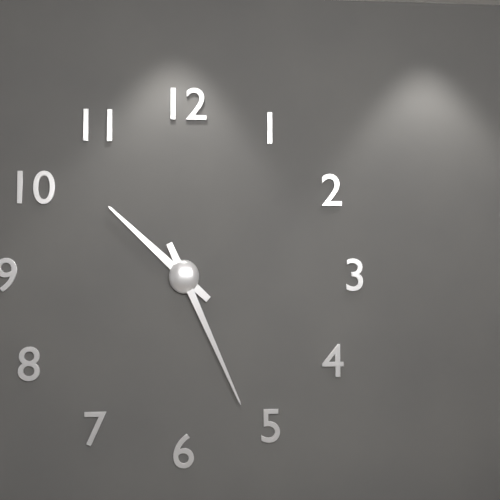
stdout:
**10:26**
